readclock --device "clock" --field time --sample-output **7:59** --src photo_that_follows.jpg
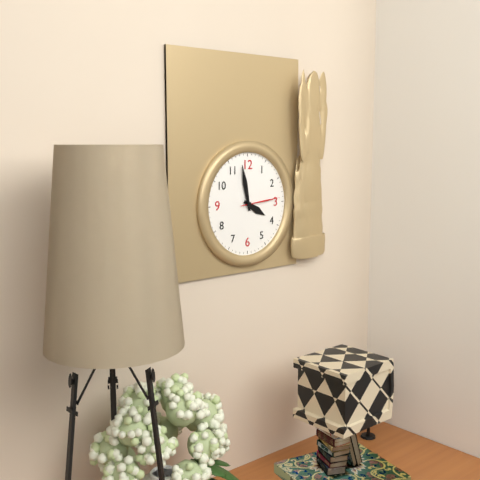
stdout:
**3:58**
